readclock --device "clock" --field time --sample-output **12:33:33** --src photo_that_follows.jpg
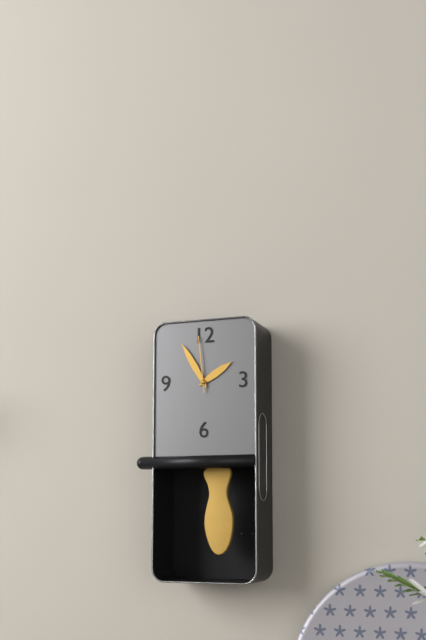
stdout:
**1:55:59**
